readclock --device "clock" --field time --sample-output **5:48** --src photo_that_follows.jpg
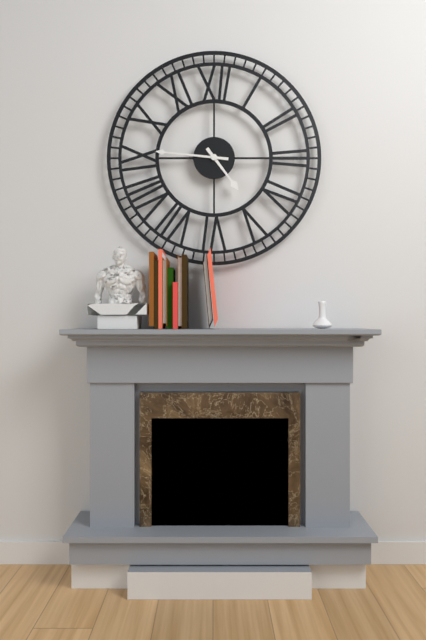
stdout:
**4:46**
